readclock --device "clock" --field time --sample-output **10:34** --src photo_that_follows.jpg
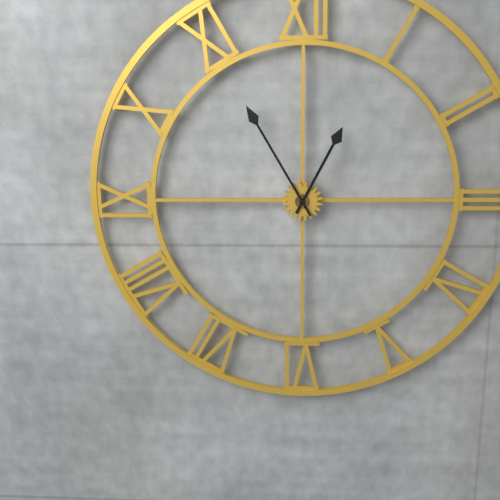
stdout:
**12:55**
